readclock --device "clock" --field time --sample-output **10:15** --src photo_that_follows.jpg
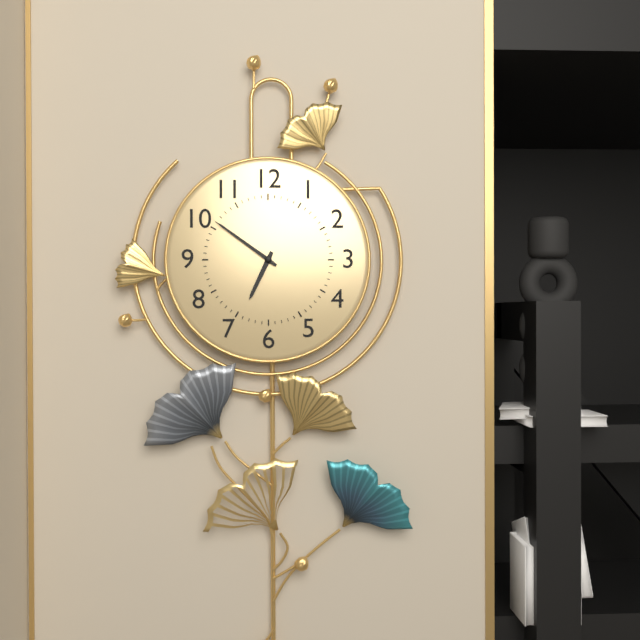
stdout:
**6:51**
